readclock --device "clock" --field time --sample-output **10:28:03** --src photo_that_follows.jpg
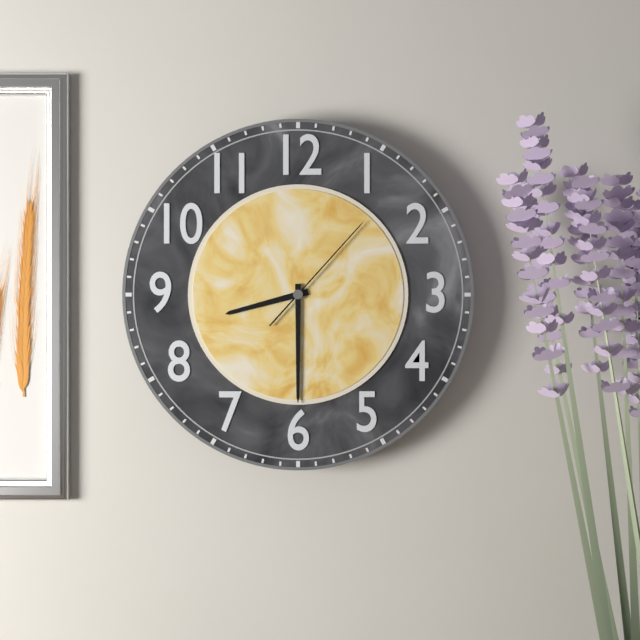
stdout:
**8:30:07**
